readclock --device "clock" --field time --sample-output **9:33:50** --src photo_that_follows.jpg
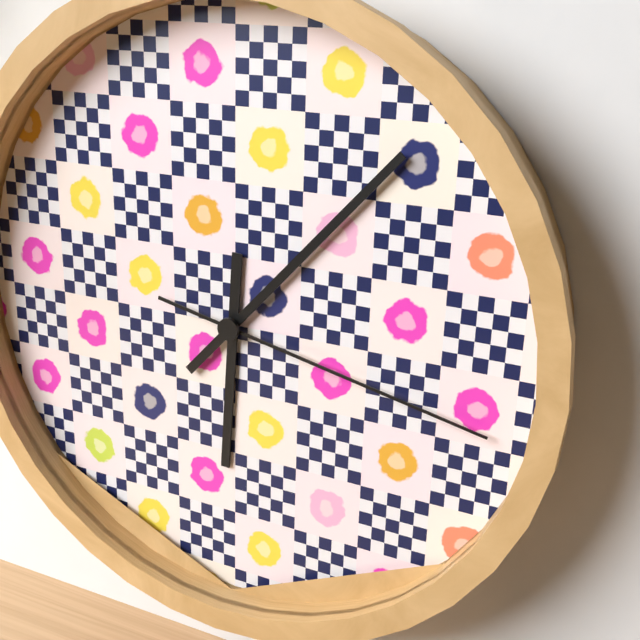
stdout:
**6:07:17**
